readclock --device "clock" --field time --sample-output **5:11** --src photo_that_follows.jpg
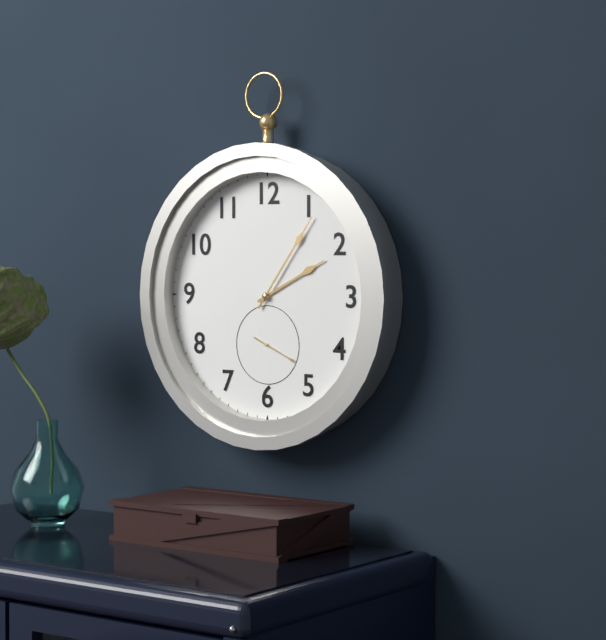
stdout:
**2:06**
